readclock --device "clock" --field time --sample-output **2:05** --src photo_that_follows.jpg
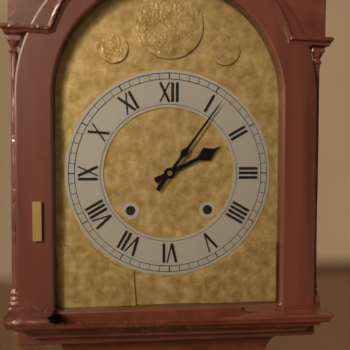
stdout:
**2:06**
